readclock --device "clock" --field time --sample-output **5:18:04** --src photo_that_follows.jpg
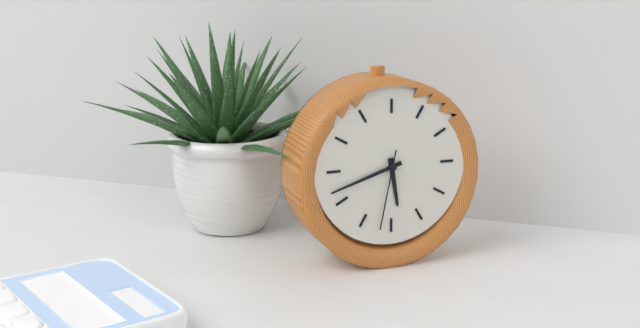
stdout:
**5:42:32**
